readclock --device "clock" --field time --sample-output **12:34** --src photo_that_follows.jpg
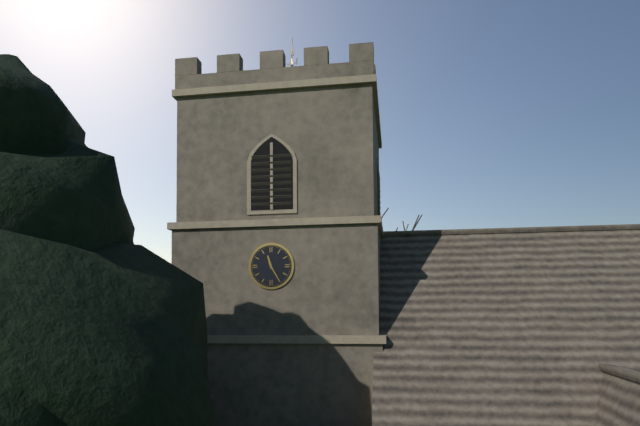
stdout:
**11:25**
